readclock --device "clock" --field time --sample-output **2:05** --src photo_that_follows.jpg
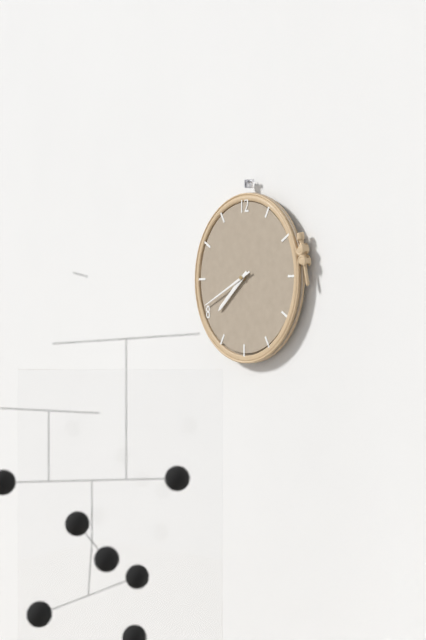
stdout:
**7:41**
